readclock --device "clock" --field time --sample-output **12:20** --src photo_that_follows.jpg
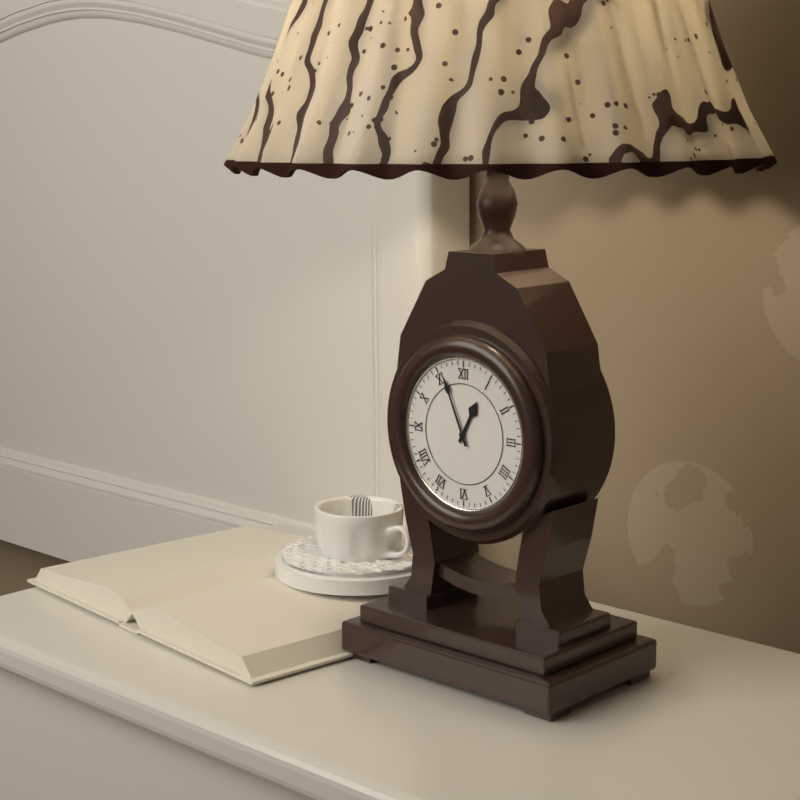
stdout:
**12:56**
